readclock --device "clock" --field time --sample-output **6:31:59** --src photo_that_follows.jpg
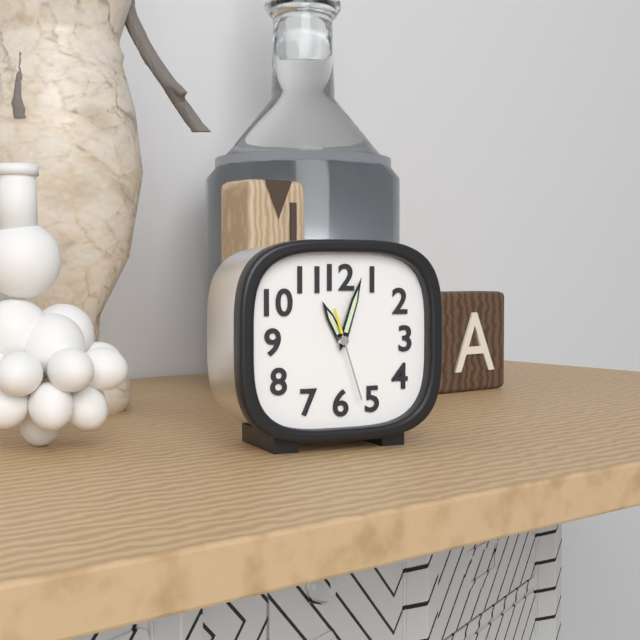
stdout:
**11:03:27**
